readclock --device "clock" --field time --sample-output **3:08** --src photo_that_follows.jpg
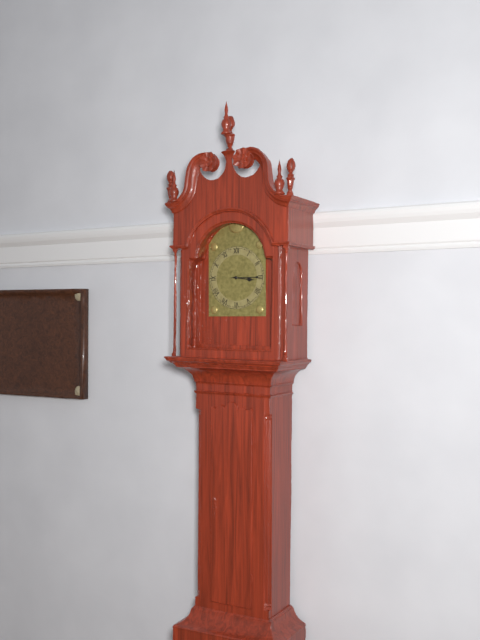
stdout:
**3:15**
